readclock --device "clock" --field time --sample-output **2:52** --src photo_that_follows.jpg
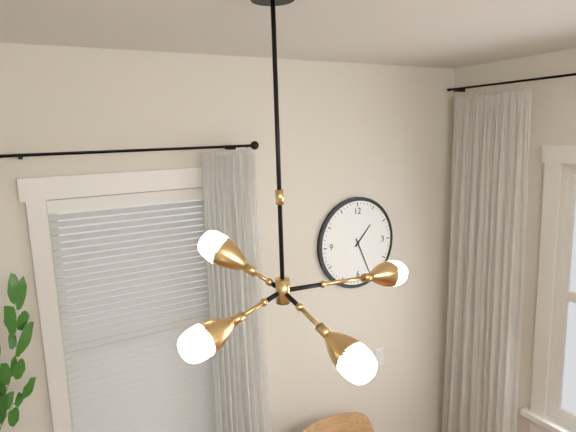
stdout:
**1:26**
